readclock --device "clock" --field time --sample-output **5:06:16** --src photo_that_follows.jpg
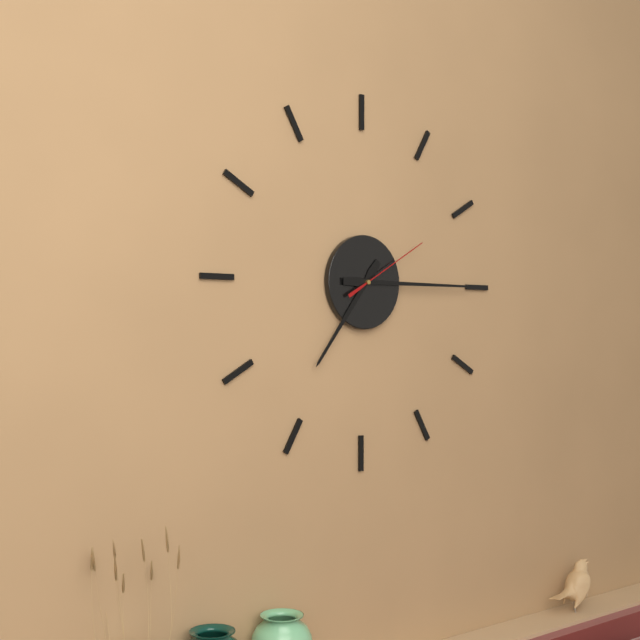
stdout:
**7:15:10**
